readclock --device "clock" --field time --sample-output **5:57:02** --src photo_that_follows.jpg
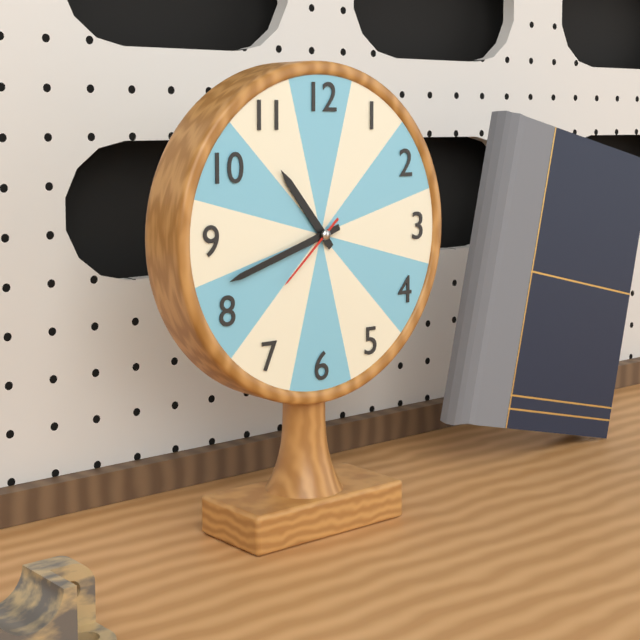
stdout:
**10:42:38**
